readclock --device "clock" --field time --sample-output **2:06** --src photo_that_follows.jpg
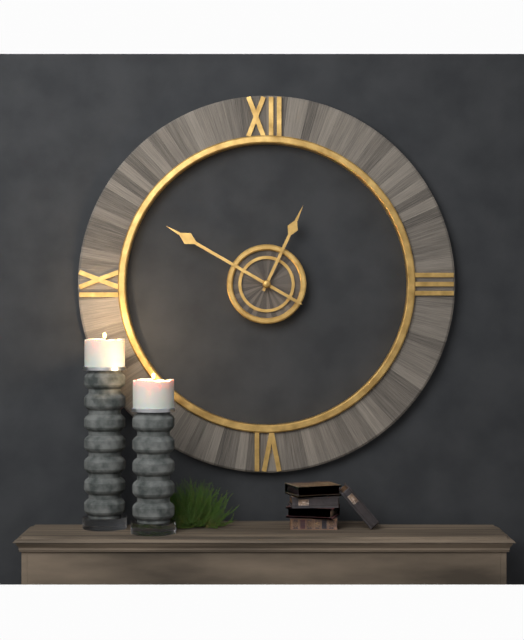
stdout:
**12:50**
